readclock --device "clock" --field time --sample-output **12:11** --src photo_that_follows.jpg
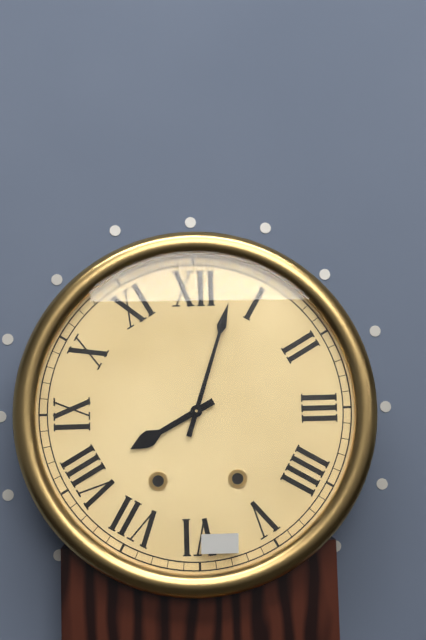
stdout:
**8:03**
